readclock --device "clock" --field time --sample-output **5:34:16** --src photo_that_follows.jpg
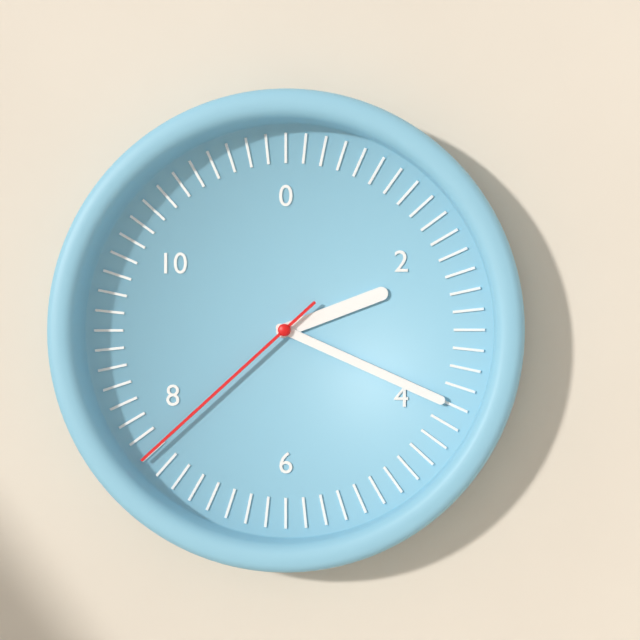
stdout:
**2:19:38**
